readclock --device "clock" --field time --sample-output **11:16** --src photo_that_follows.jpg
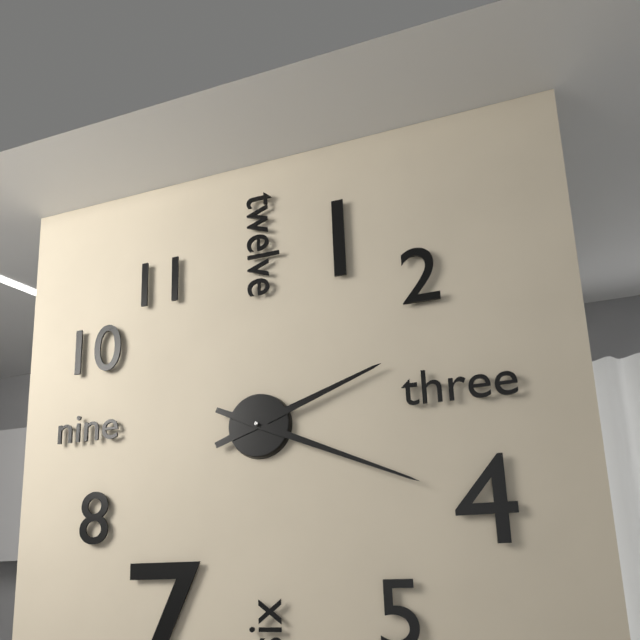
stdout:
**2:19**
